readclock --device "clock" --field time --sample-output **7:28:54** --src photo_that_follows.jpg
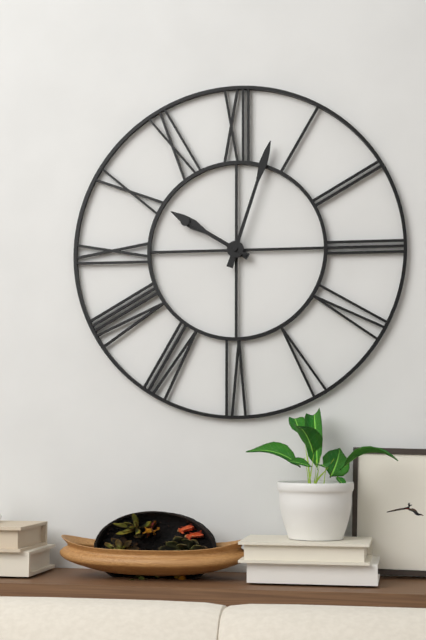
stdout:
**10:03:50**
